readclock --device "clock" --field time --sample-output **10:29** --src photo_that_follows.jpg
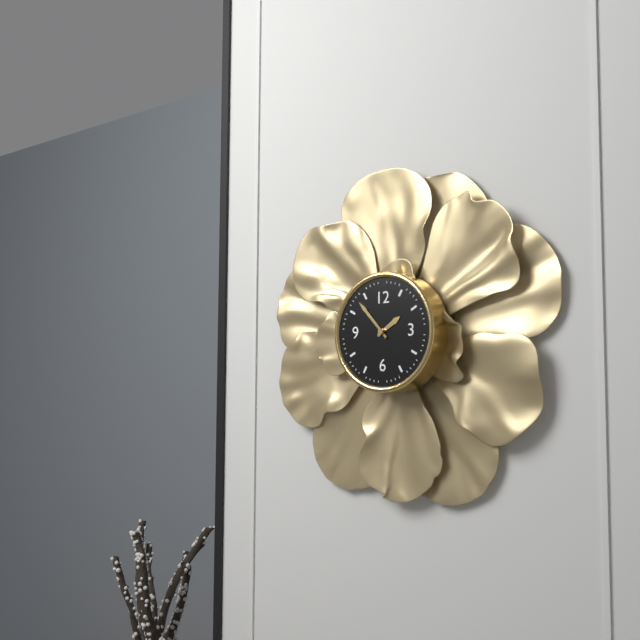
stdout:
**1:53**
